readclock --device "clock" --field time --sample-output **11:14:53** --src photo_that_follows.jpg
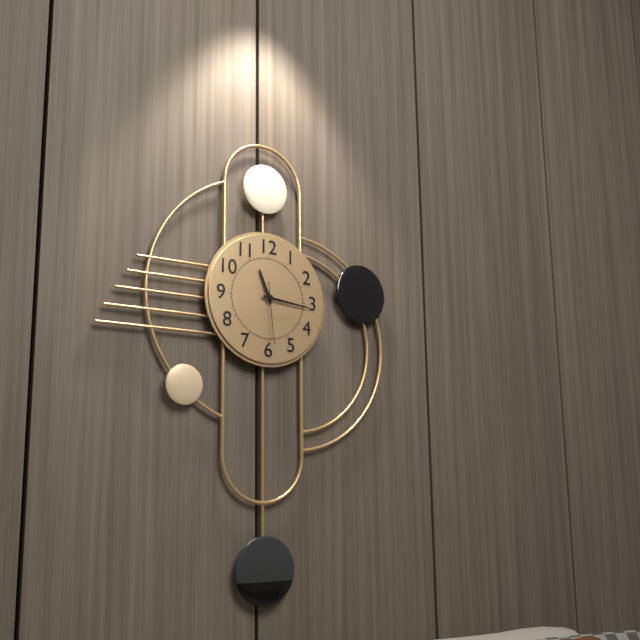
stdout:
**11:16:29**
